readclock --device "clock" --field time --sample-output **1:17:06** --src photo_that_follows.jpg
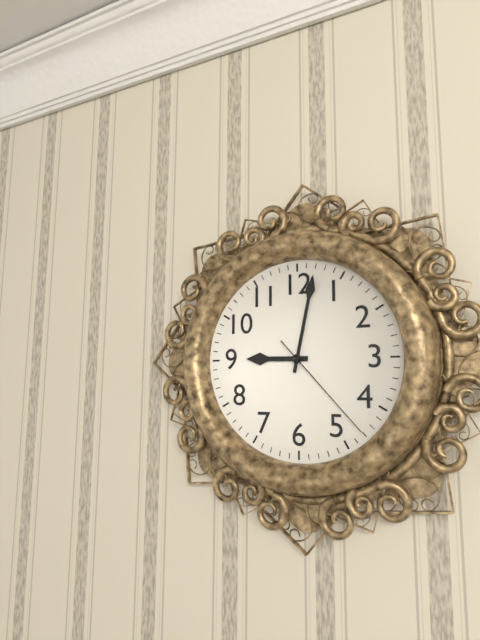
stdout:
**9:02:23**
